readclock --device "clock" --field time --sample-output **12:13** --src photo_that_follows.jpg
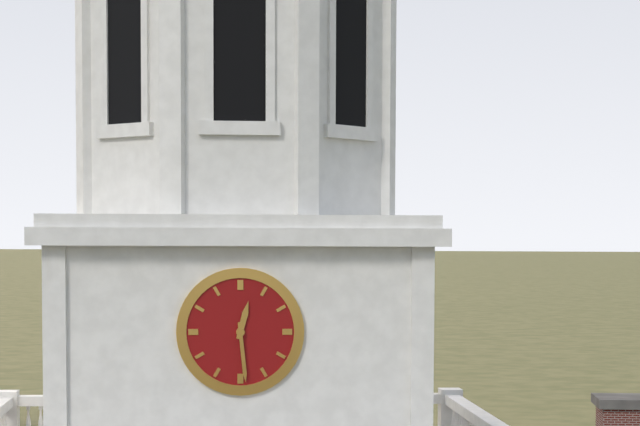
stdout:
**12:29**
